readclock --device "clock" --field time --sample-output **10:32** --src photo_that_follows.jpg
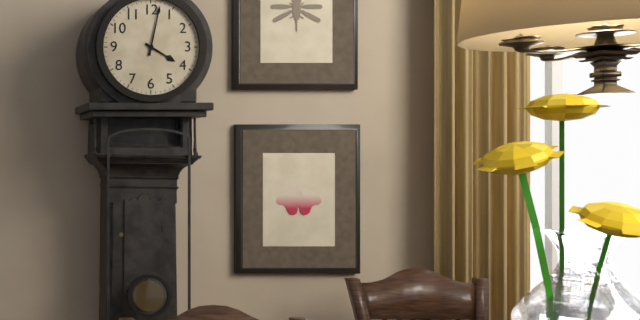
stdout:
**4:02**
